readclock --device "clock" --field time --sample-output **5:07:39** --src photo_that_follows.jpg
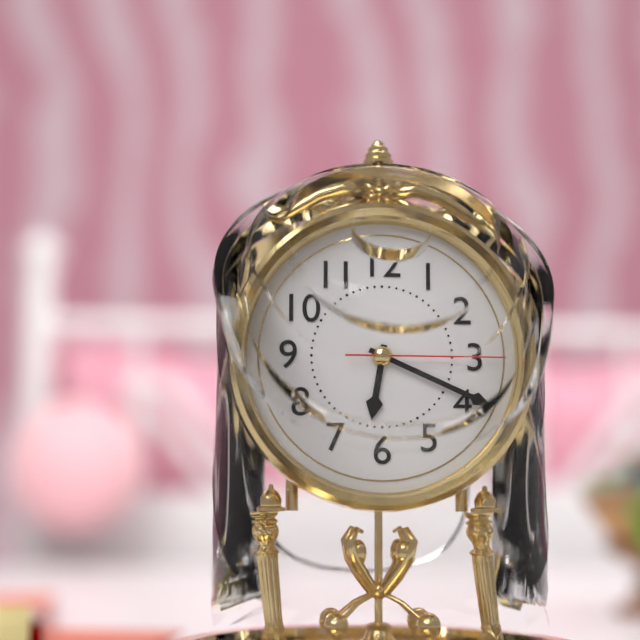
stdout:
**6:19:15**
